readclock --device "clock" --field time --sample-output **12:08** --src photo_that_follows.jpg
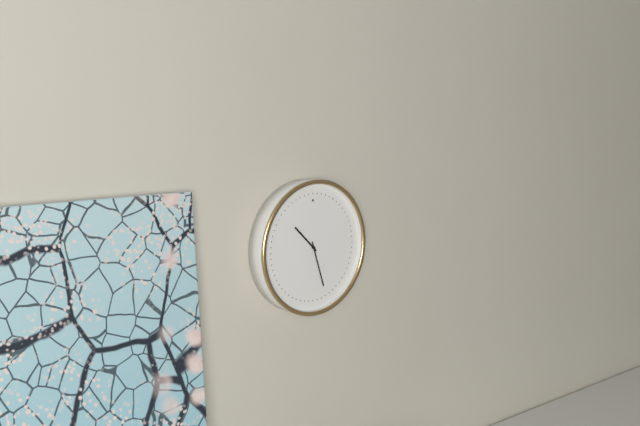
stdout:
**10:27**
